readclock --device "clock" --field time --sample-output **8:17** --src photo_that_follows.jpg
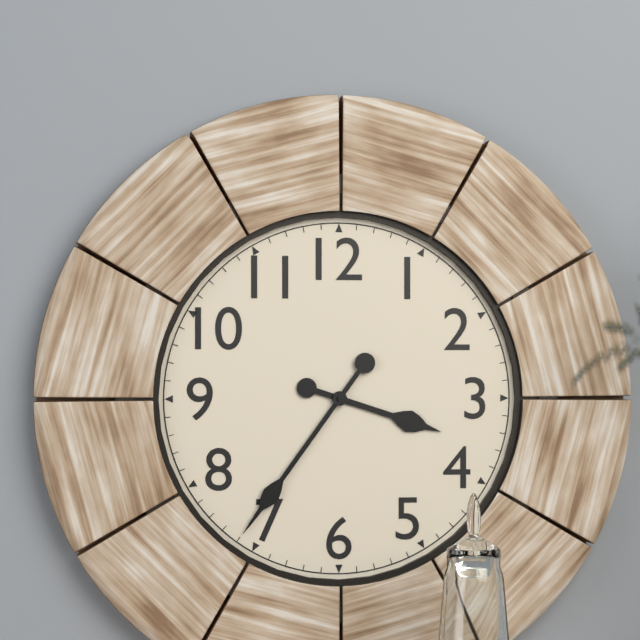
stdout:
**3:36**
